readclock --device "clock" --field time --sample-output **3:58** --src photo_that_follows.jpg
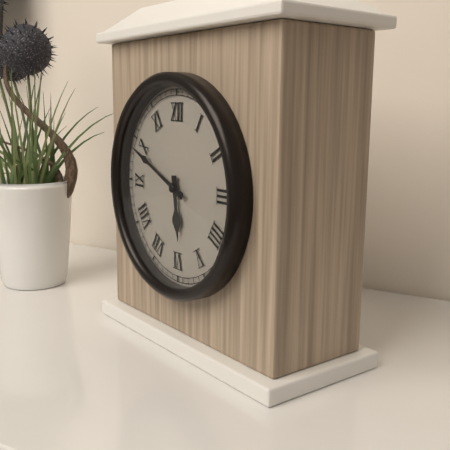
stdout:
**5:49**
